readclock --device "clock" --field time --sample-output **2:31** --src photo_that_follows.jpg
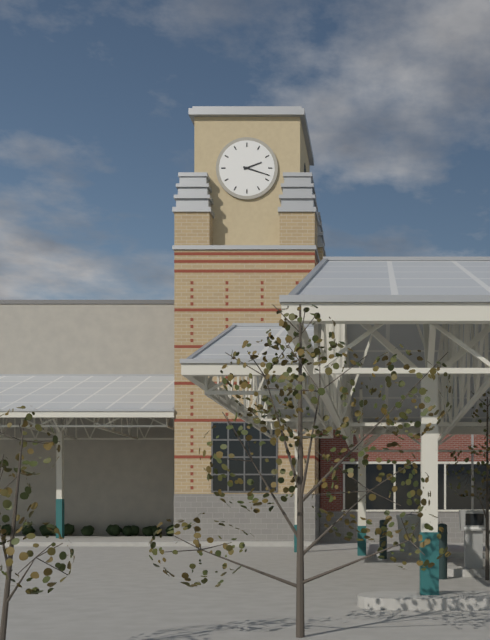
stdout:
**2:18**
